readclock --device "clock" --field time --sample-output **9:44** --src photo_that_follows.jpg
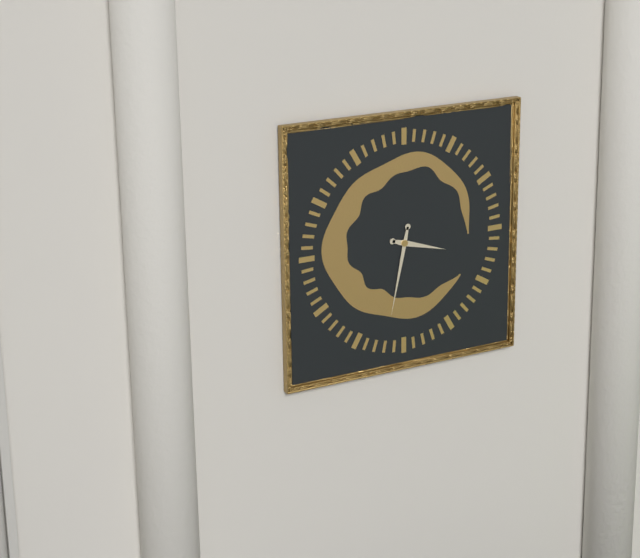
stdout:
**3:32**
